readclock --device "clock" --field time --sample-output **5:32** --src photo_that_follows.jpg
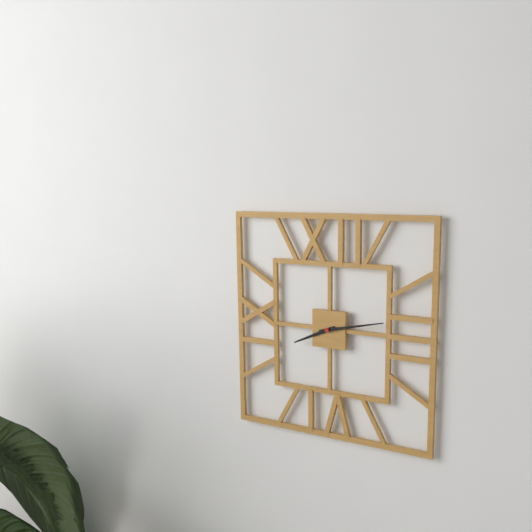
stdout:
**8:13**
